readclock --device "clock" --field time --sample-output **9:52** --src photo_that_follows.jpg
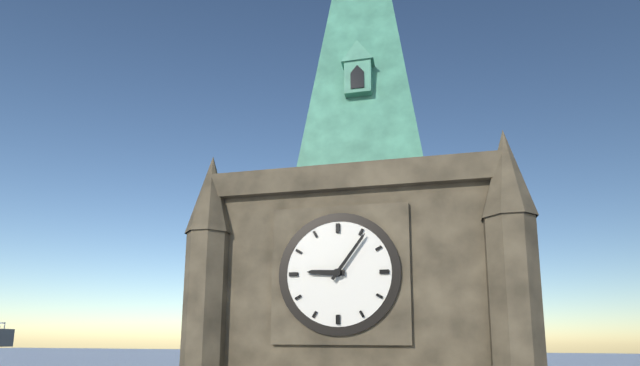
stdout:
**9:06**
